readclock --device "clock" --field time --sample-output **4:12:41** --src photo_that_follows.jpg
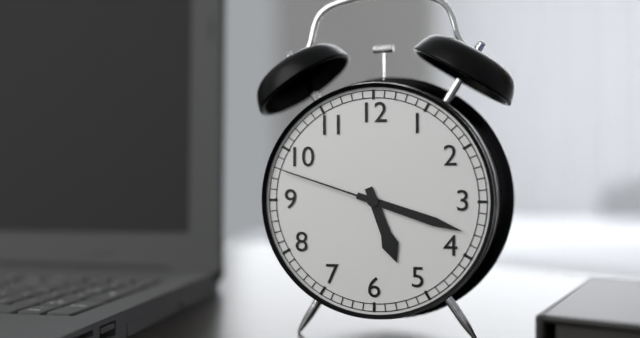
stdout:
**5:18:48**
